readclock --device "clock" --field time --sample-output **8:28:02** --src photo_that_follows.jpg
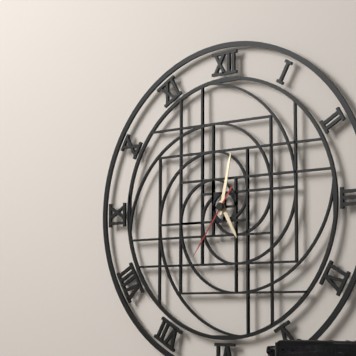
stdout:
**5:02:36**
